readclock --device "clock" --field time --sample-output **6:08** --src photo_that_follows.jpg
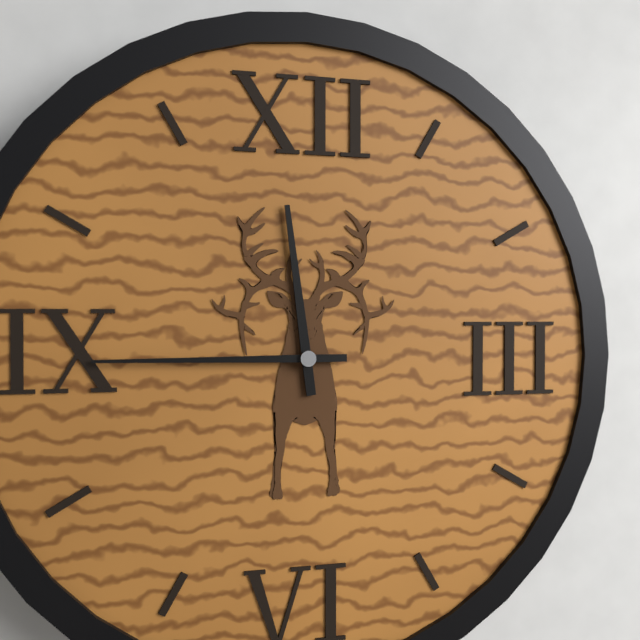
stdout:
**11:45**
